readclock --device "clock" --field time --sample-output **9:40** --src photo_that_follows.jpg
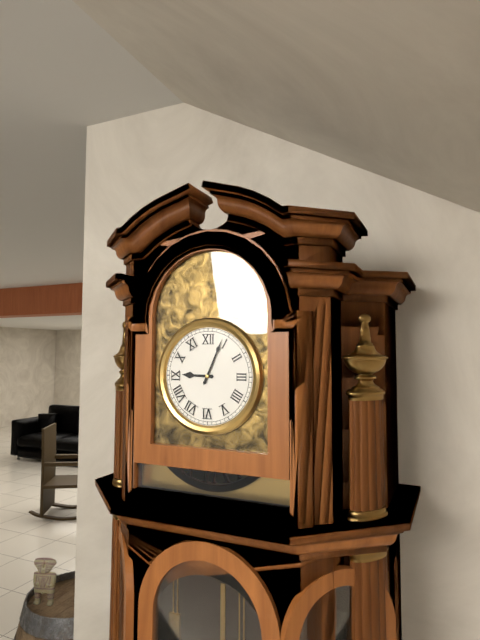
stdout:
**9:04**
